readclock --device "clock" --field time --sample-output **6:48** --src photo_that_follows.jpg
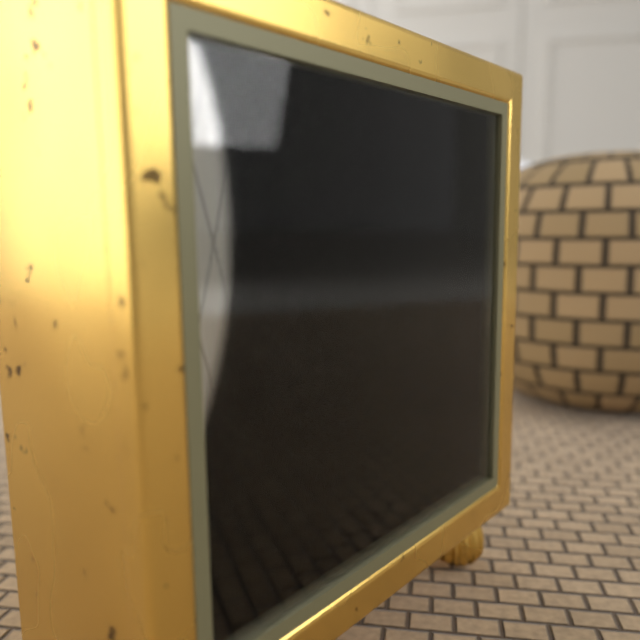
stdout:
**6:14**
